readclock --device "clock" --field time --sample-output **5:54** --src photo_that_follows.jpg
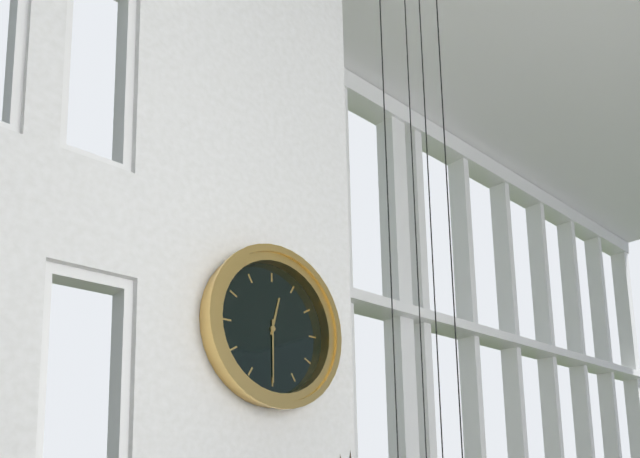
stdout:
**12:30**
